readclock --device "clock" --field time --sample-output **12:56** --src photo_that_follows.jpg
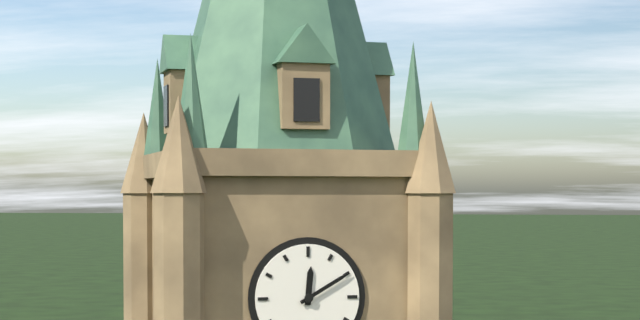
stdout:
**12:10**
